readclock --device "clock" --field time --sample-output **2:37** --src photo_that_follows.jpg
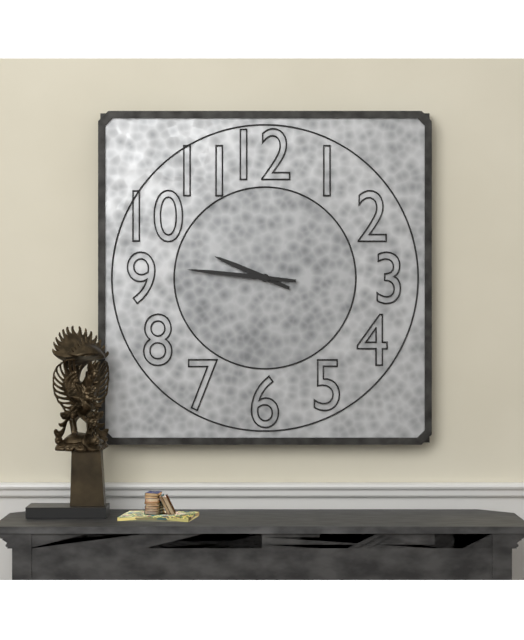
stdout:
**9:46**
